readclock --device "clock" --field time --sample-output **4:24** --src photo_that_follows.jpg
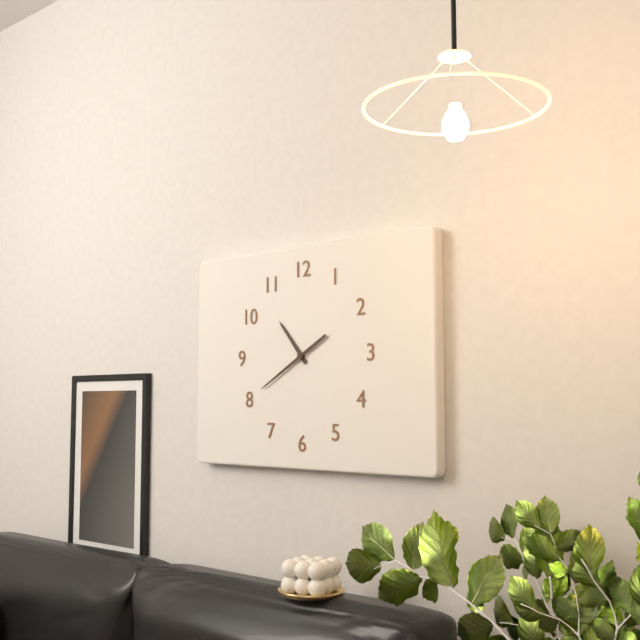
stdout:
**10:40**
